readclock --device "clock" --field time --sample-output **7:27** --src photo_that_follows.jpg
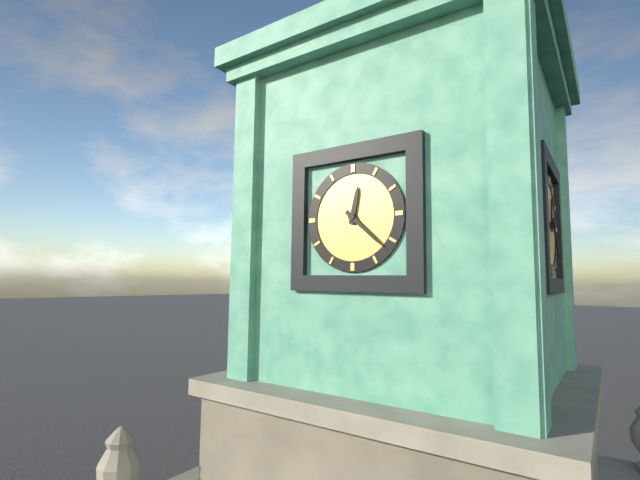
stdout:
**12:22**
